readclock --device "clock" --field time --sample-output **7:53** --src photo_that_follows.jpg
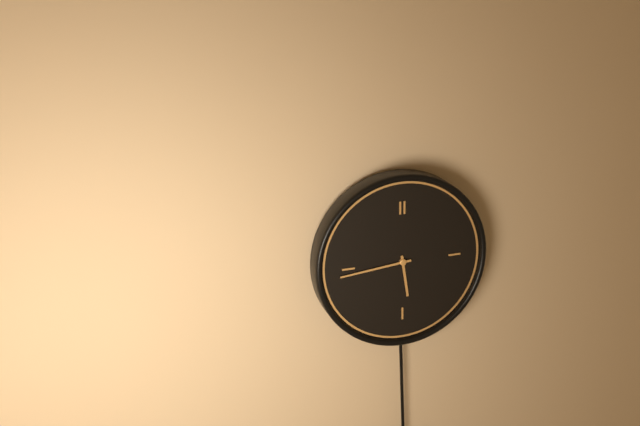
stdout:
**5:44**
